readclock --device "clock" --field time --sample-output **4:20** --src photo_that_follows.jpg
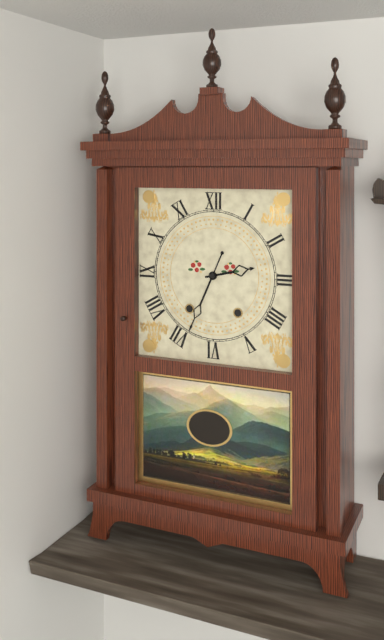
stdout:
**2:34**
